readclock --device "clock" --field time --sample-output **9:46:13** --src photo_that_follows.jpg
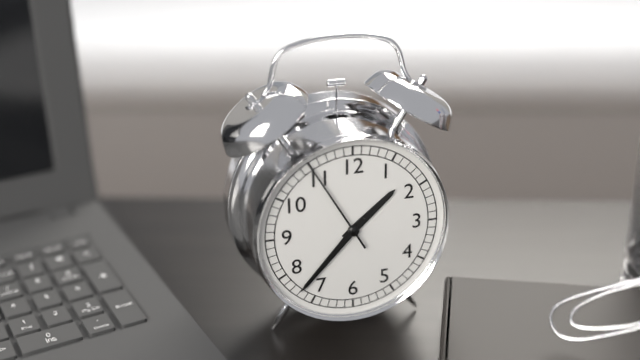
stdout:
**1:37:55**
